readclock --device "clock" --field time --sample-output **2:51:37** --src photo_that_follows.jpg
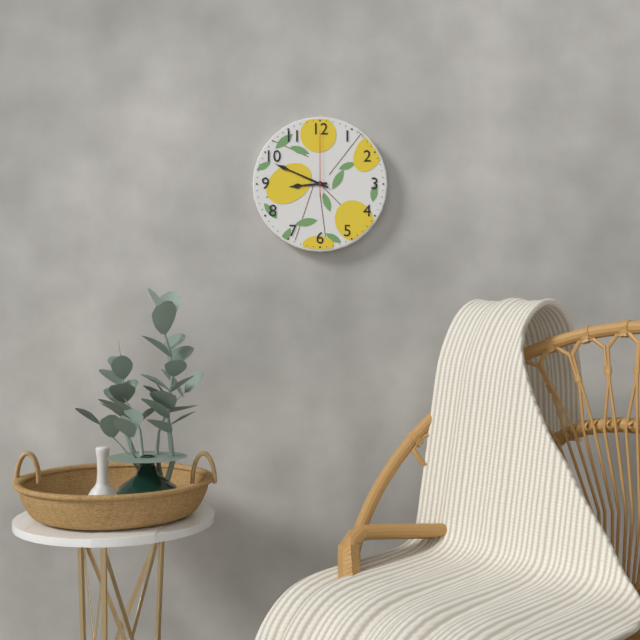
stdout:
**8:49:00**
